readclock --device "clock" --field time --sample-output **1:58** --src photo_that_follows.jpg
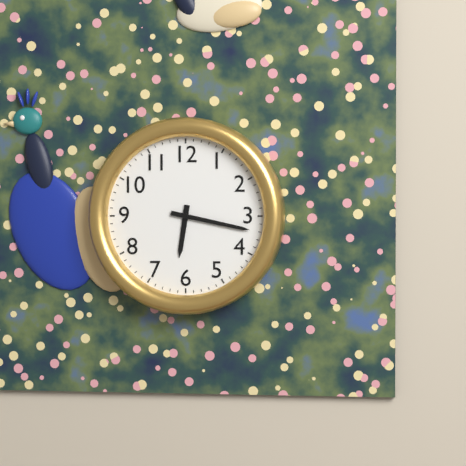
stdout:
**6:17**
